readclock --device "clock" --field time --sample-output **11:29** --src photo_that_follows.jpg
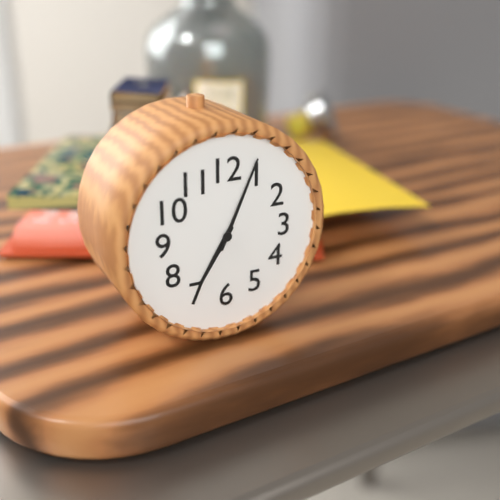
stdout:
**7:04**
